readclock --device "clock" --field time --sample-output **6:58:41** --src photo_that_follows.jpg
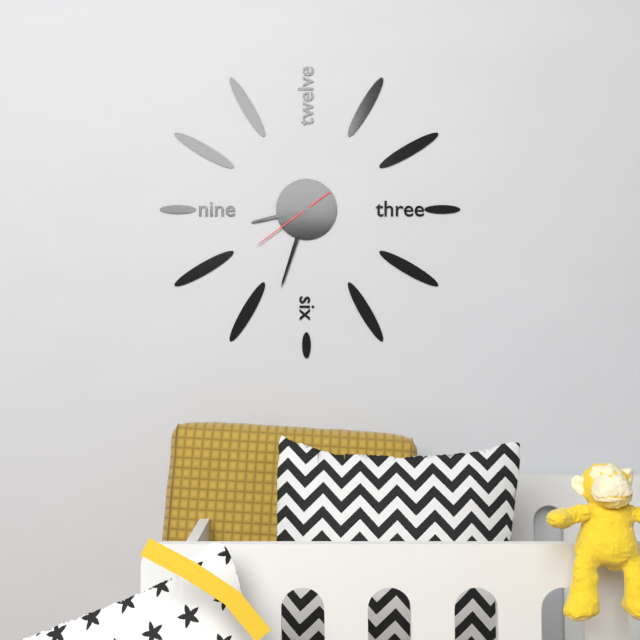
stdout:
**8:33:39**
